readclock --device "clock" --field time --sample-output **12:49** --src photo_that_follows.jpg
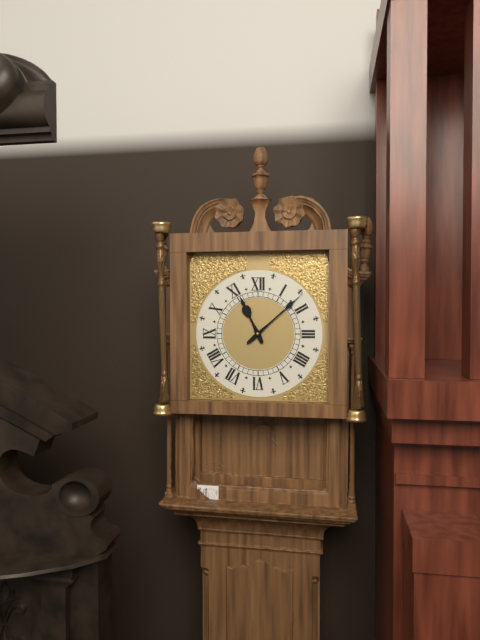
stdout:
**11:08**
